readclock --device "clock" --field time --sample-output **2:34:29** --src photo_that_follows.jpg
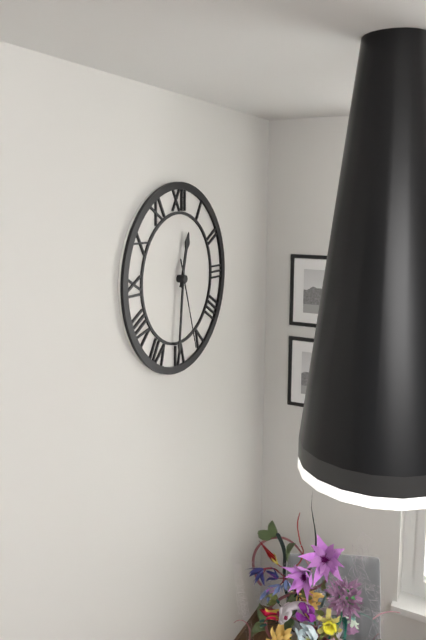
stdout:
**12:31:27**
